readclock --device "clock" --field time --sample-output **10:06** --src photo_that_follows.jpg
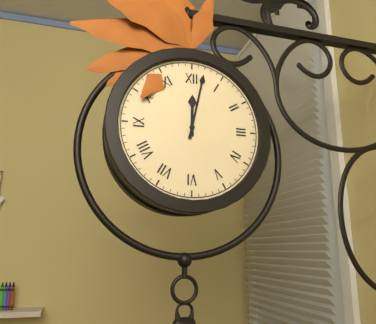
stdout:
**12:02**
